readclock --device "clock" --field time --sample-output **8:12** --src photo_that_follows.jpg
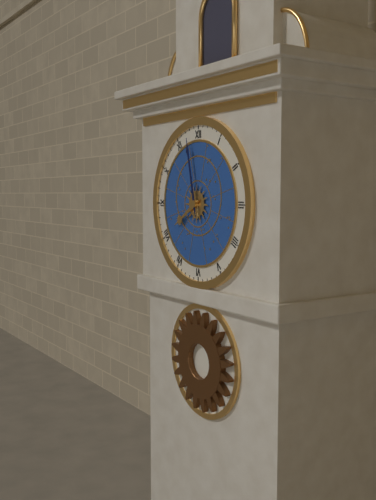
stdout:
**7:58**
